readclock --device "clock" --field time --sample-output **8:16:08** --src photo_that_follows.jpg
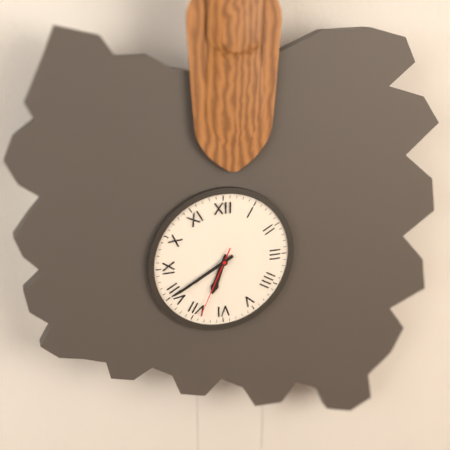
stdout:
**6:40:34**
